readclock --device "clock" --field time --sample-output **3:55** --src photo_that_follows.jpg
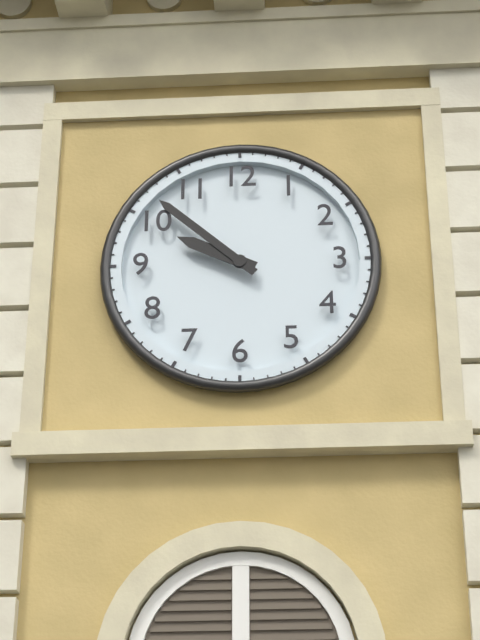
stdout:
**9:52**
